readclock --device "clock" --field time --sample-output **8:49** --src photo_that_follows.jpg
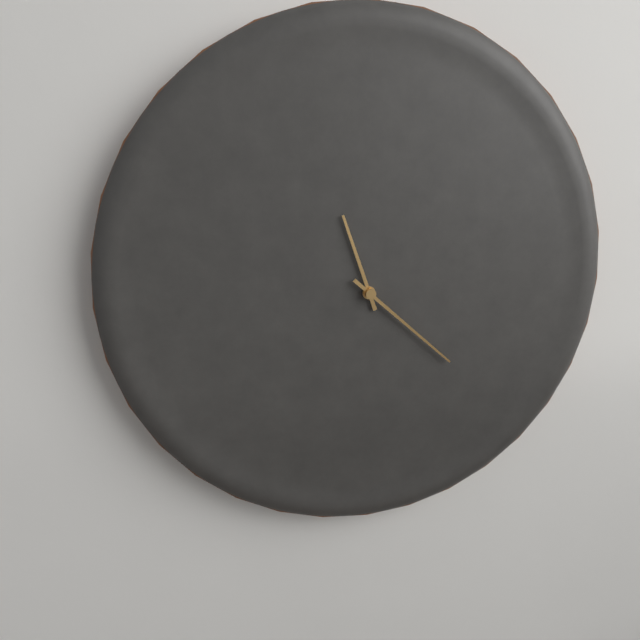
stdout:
**11:22**
